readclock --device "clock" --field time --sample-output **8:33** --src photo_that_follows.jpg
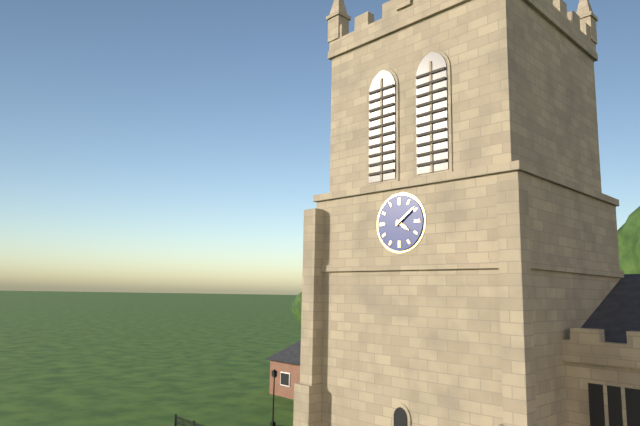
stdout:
**4:09**
